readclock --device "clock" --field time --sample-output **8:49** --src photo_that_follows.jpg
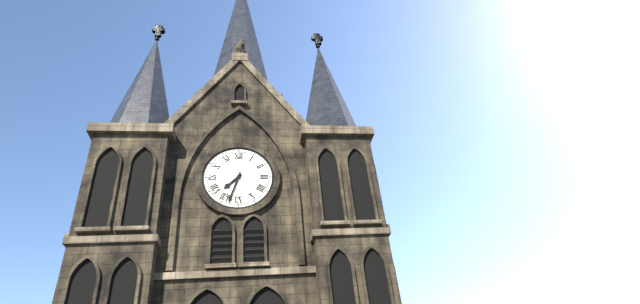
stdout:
**7:33**
